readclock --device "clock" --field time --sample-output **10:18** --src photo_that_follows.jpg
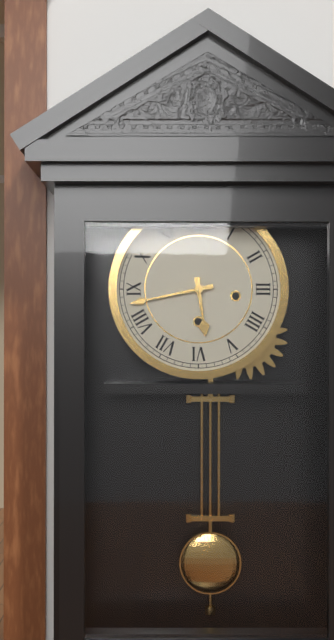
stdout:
**5:43**
